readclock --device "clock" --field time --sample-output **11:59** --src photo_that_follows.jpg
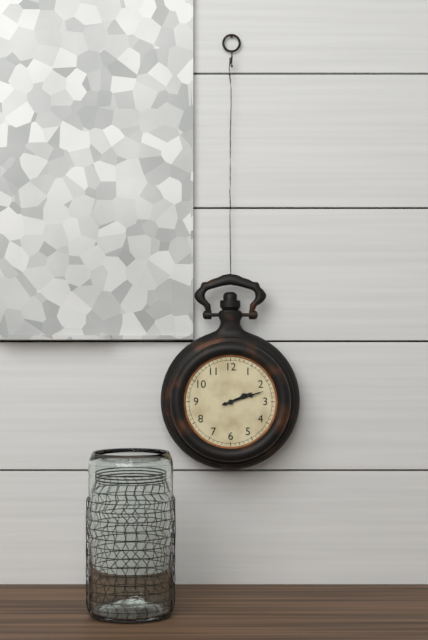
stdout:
**2:12**
